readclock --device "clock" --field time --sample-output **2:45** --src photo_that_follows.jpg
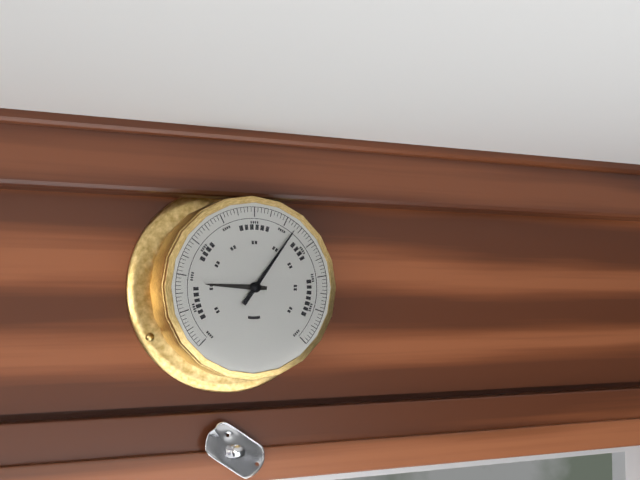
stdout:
**9:06**
